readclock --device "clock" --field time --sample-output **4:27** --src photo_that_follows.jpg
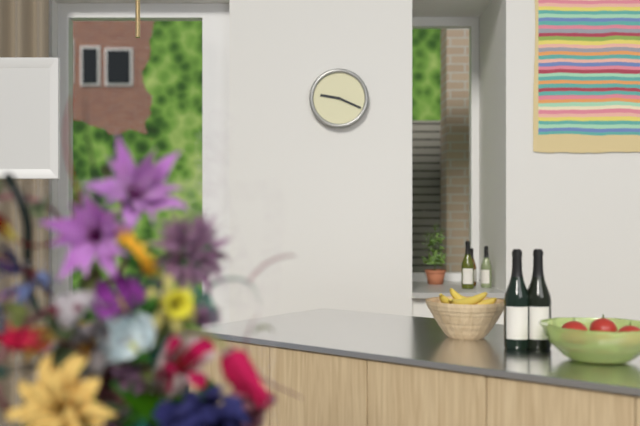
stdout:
**9:19**
